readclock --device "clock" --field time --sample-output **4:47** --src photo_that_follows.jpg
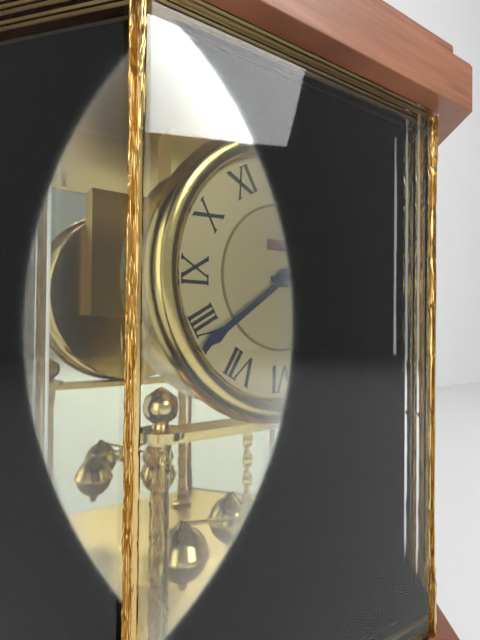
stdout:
**2:39**
